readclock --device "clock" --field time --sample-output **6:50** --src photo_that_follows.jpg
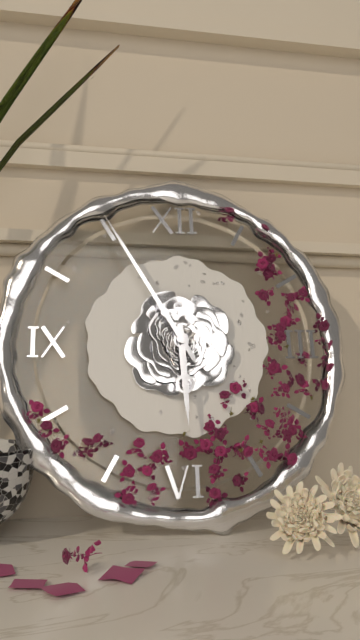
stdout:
**5:55**
